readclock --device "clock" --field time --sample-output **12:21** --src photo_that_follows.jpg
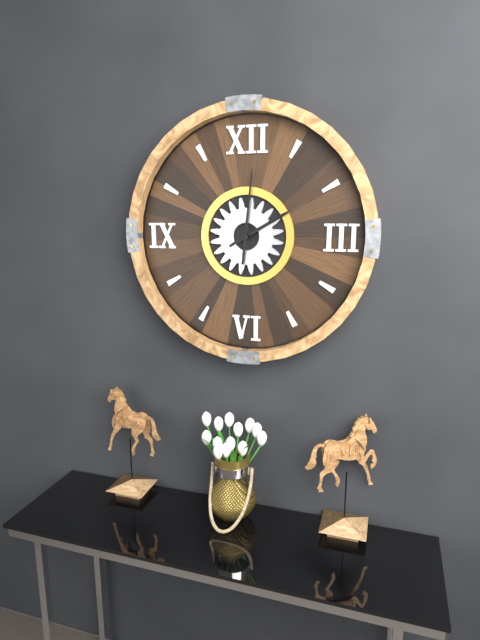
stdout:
**2:01**
